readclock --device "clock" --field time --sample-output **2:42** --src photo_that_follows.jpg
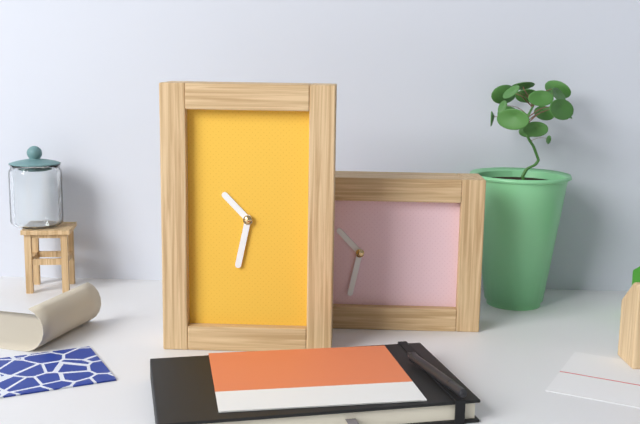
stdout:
**10:32**
